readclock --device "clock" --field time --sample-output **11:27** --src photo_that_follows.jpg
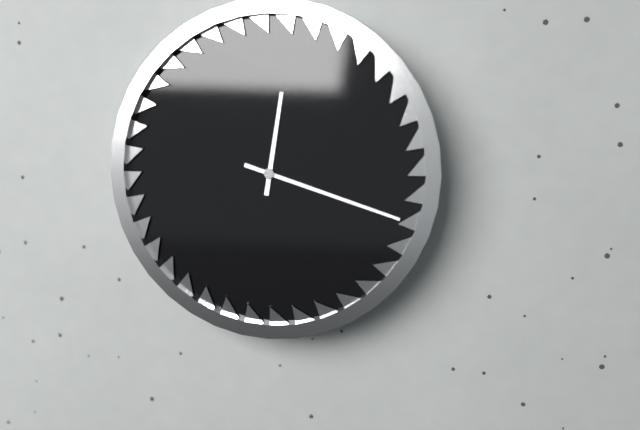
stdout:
**12:18**
